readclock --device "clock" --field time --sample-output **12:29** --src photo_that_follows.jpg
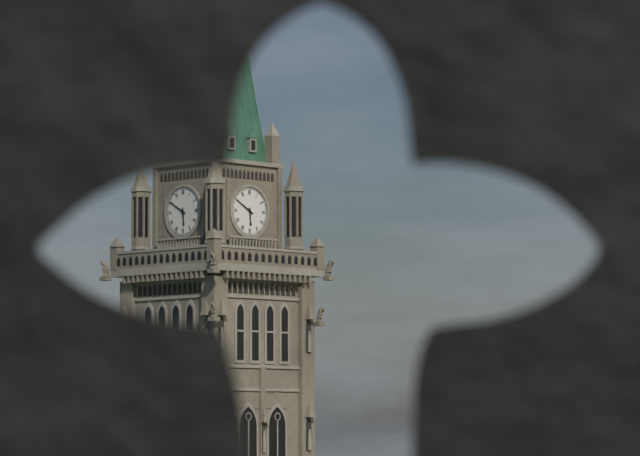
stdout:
**5:50**
